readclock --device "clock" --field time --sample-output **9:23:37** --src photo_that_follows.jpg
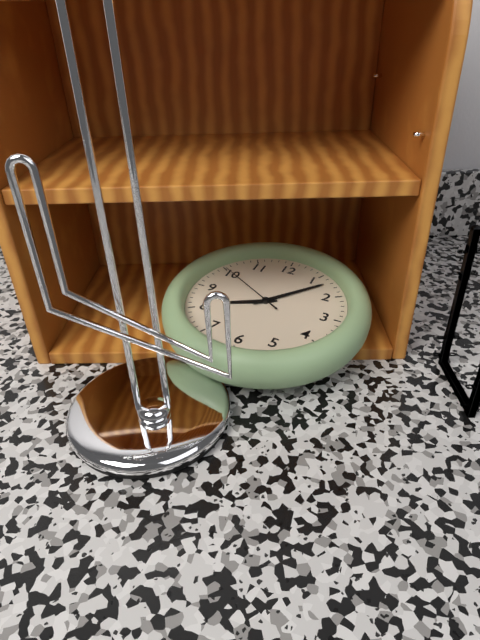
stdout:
**8:07:50**
